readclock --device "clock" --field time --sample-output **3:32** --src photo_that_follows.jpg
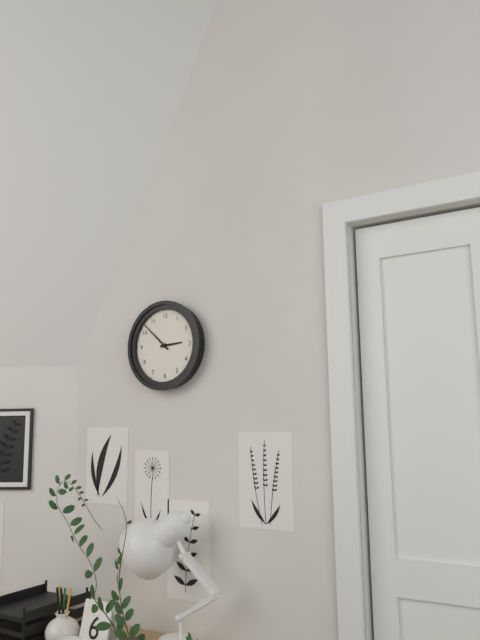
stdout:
**2:52**
